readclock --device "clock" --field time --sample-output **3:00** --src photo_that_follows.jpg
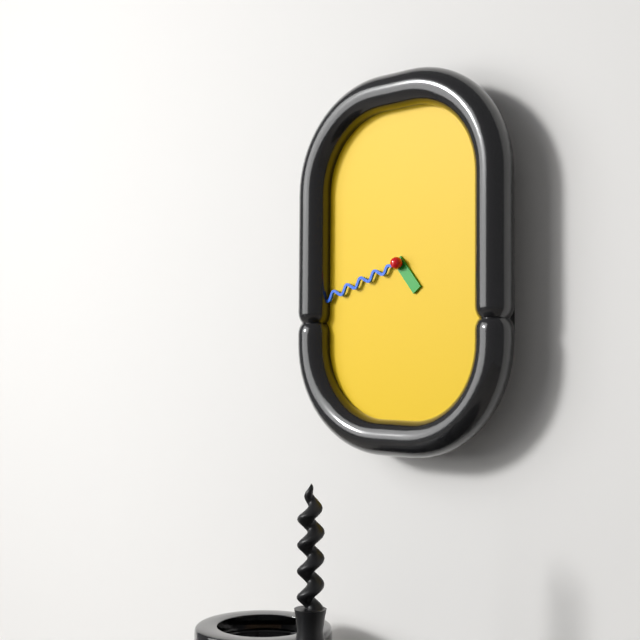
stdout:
**4:42**
